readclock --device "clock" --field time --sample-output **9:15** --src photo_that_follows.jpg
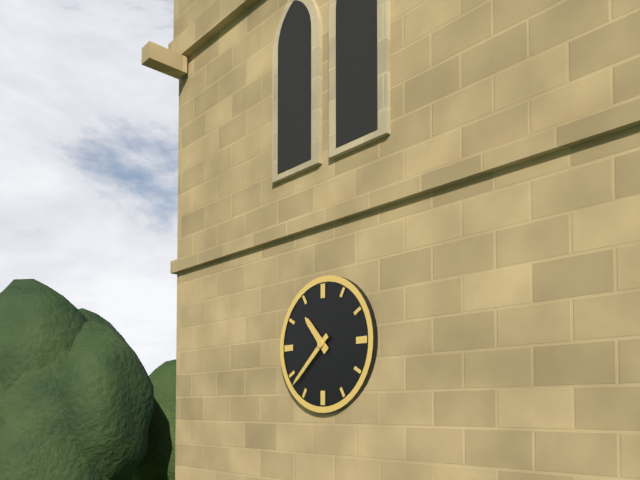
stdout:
**10:38**
